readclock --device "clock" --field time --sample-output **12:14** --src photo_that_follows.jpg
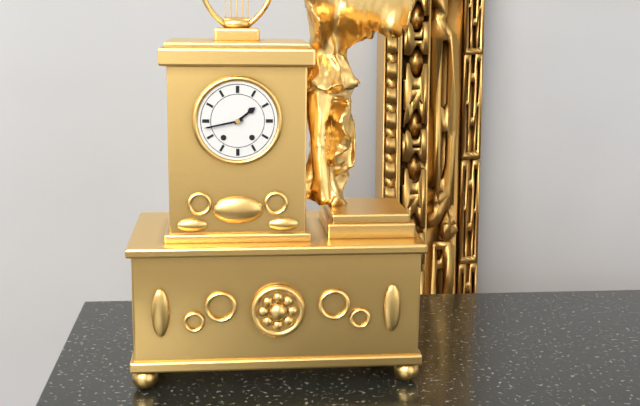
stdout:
**1:43**
